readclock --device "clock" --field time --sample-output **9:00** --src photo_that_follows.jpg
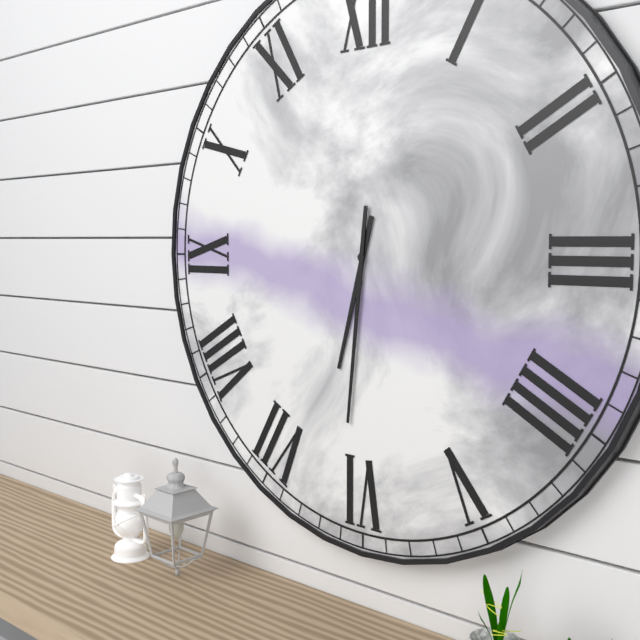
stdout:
**6:31**
